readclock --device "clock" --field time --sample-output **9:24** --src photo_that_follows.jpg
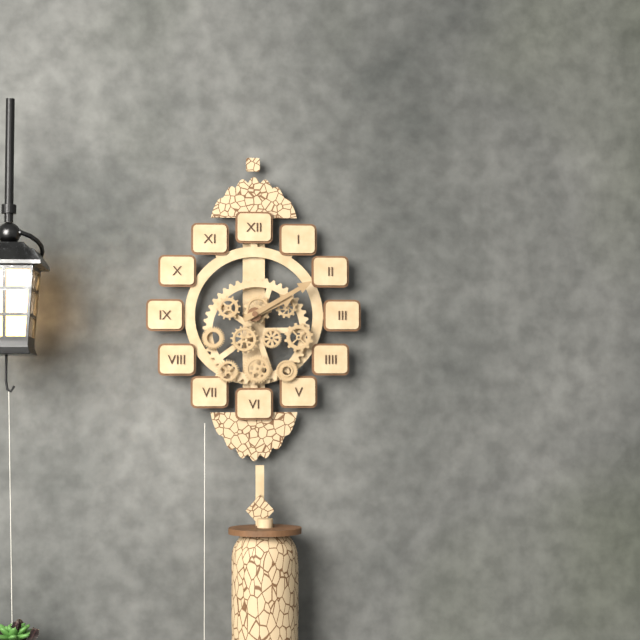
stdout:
**2:10**
